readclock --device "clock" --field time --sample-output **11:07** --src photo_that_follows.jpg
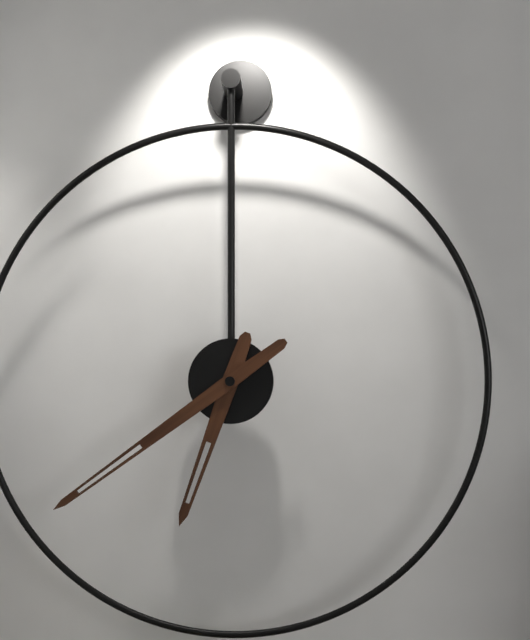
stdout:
**6:39**
